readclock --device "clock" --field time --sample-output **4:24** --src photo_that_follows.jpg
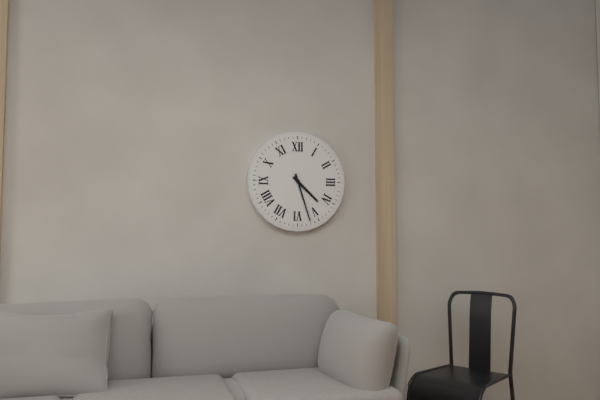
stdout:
**4:27**
